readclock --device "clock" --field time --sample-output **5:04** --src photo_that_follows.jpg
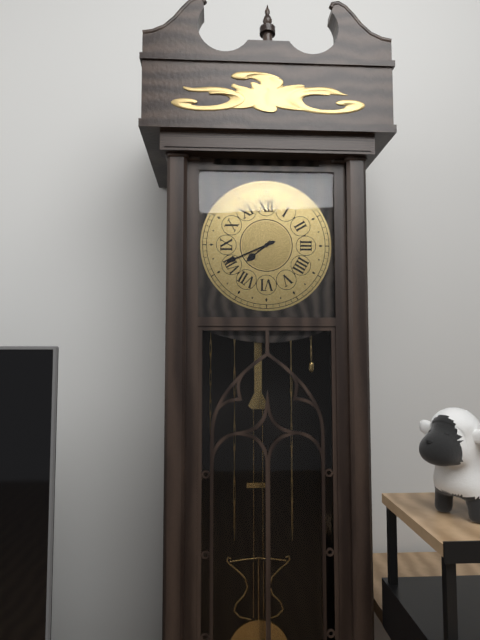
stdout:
**7:41**
